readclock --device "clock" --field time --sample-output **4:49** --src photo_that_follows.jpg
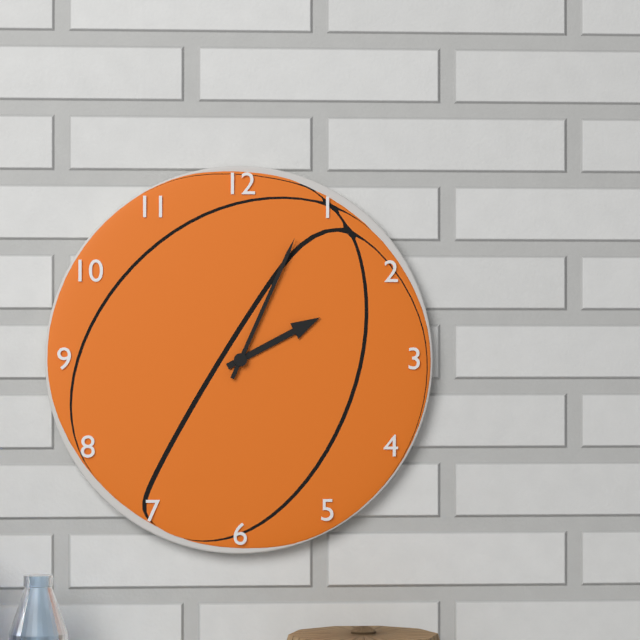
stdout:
**2:04**
